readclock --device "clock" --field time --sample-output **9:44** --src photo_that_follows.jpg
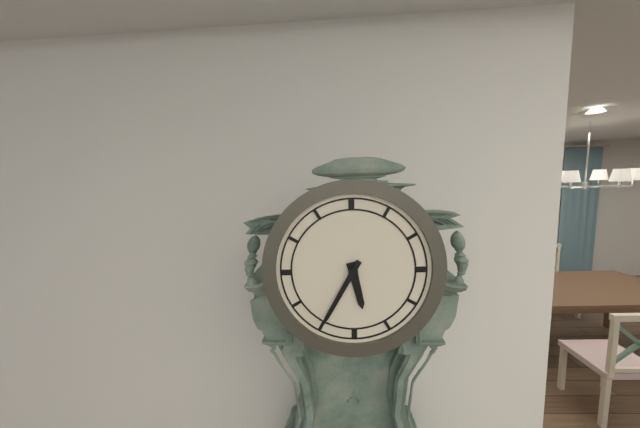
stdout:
**5:35**
